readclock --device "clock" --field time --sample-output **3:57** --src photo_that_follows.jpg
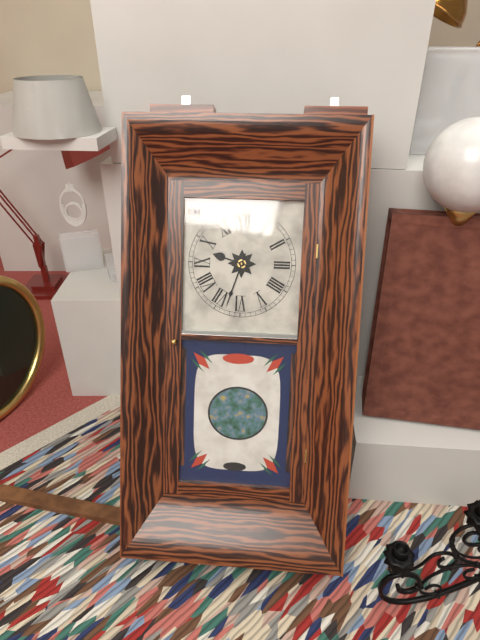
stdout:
**9:33**
